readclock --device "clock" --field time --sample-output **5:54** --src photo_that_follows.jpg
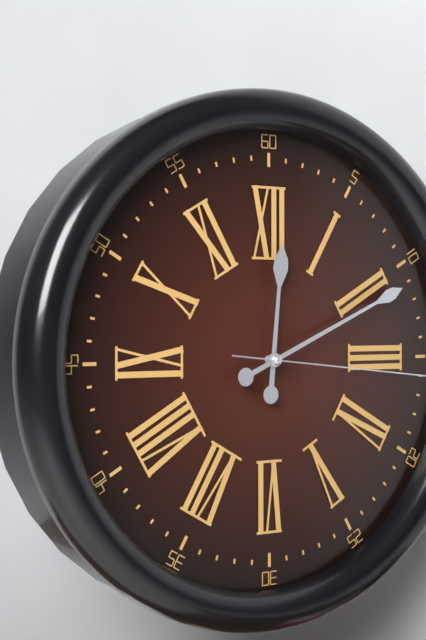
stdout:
**12:11**
